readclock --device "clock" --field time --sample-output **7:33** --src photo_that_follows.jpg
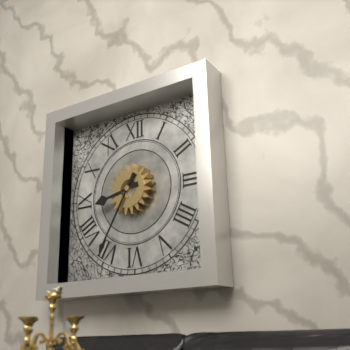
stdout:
**8:35**
